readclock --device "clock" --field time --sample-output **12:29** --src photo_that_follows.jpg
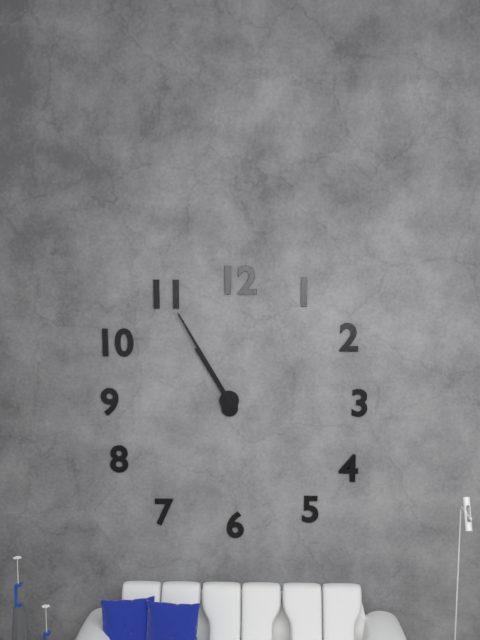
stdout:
**10:55**
